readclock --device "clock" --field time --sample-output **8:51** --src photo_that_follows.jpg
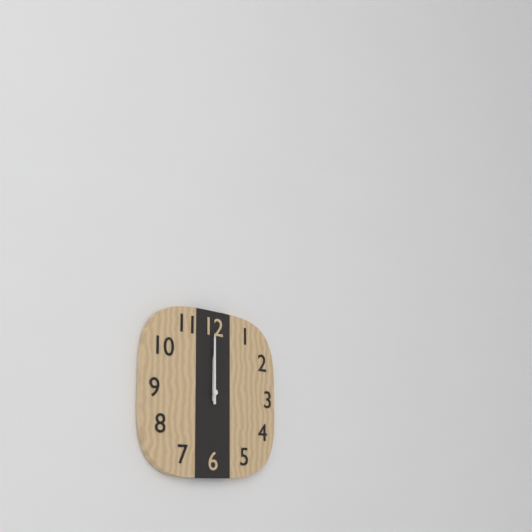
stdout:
**12:00**
